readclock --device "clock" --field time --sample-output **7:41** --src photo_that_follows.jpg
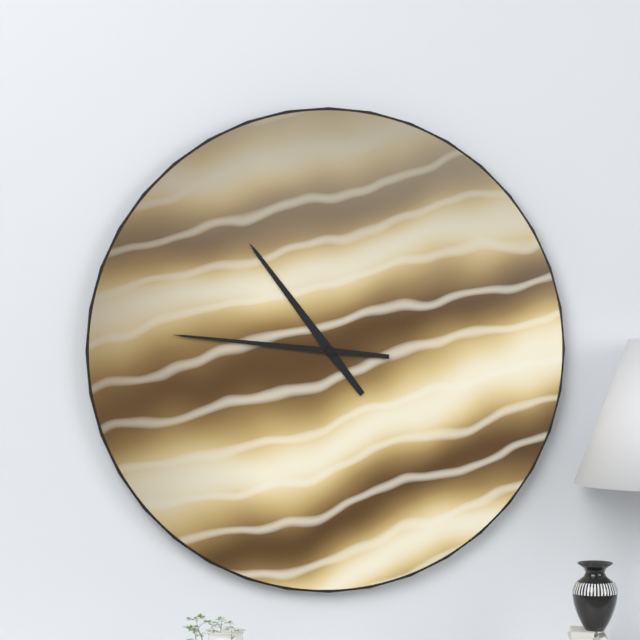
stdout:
**10:46**
